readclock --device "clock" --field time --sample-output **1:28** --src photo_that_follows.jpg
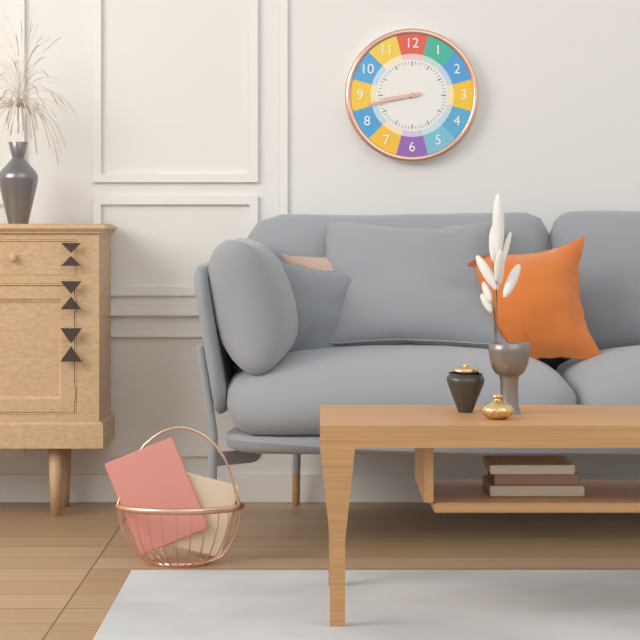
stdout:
**8:43**
